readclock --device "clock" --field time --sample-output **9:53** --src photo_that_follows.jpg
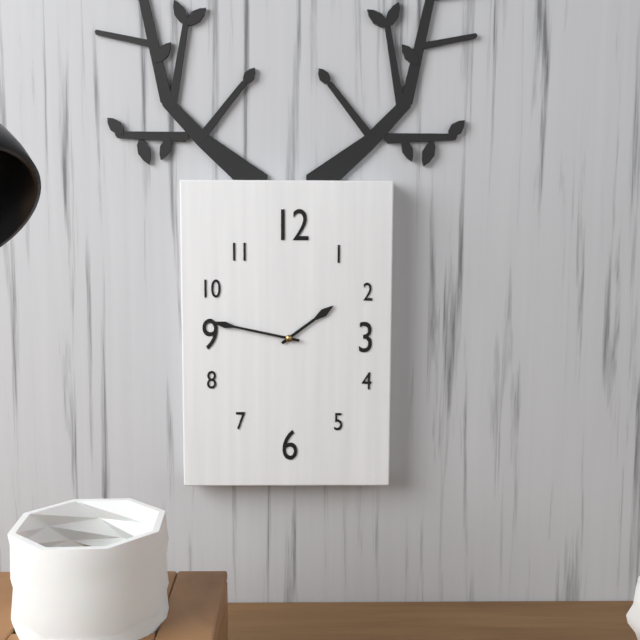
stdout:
**1:47**
